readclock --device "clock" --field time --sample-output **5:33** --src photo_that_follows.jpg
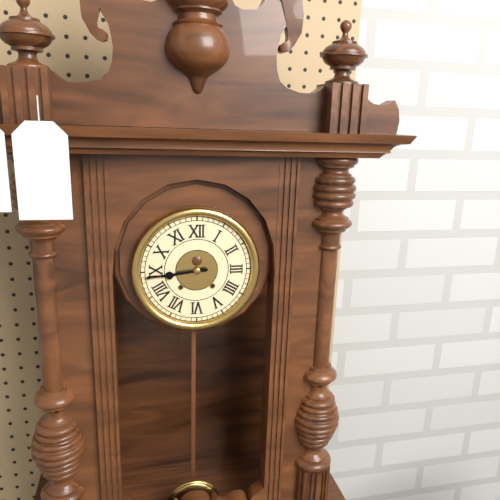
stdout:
**8:44**
